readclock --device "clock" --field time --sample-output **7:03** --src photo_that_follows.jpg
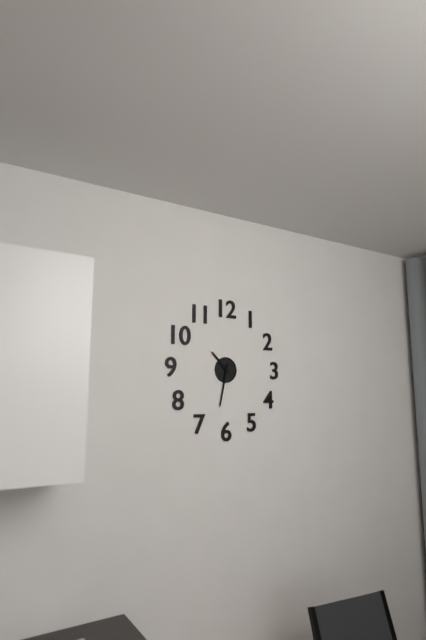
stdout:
**10:32**
